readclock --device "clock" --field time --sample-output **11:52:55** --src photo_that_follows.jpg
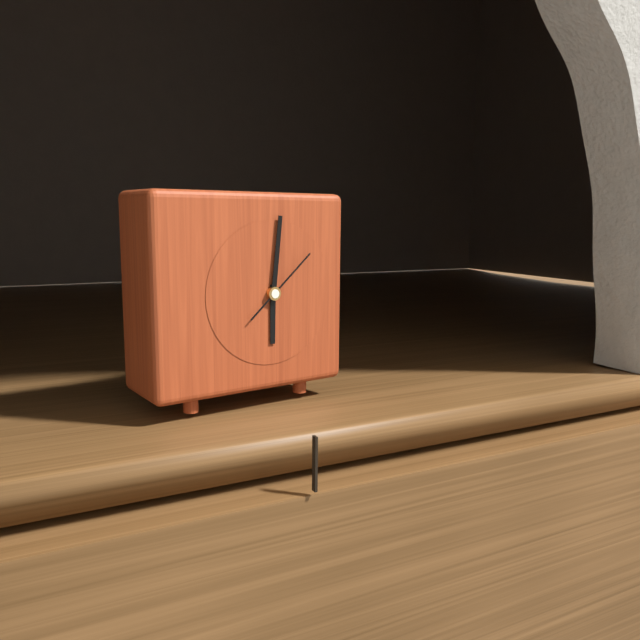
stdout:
**6:01:08**
